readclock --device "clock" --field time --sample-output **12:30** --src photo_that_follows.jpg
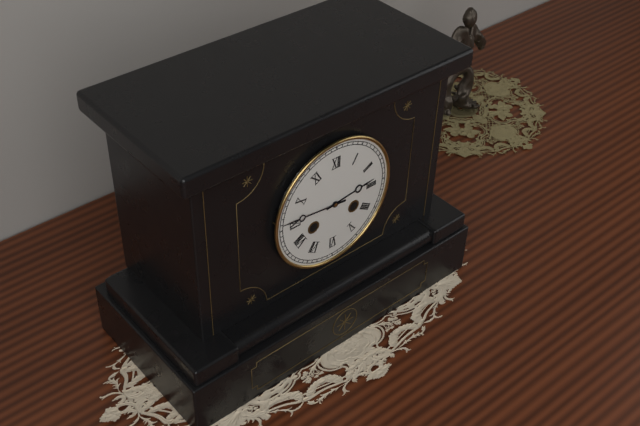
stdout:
**2:46**
